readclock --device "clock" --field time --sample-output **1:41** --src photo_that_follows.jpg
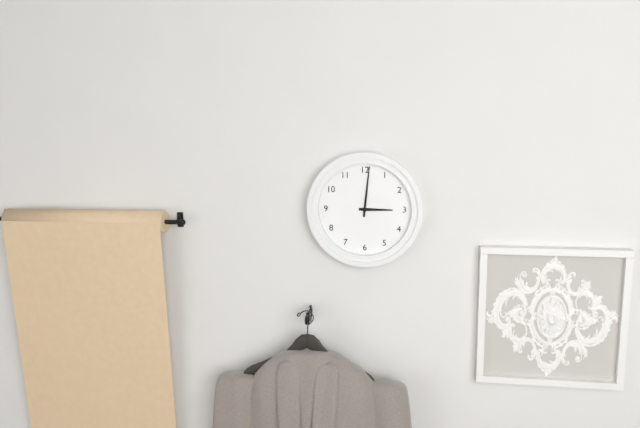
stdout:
**3:01**
